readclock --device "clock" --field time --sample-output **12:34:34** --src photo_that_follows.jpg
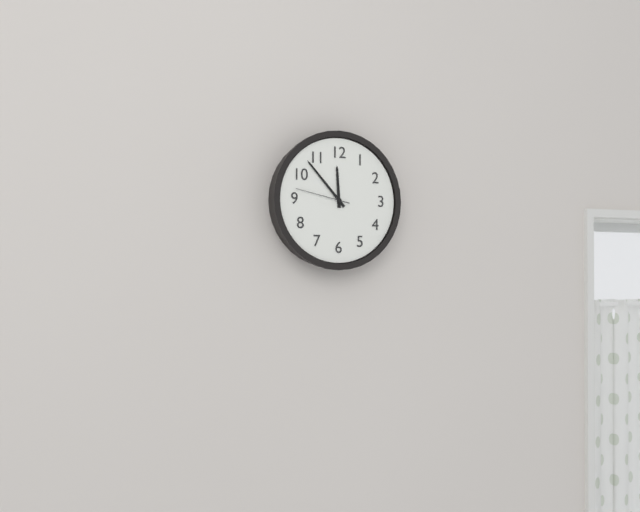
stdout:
**11:53:47**
